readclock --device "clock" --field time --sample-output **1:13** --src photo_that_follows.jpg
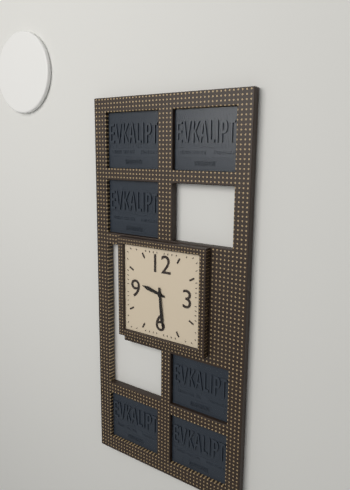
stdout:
**9:29**
